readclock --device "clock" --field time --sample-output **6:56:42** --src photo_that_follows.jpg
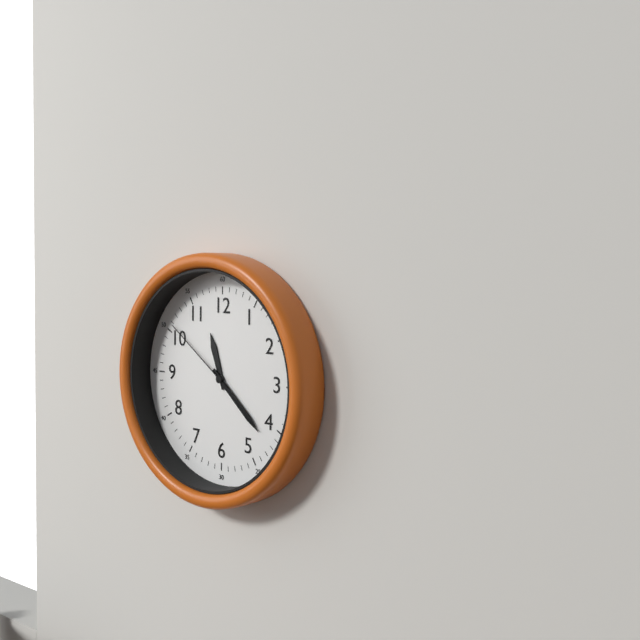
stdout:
**11:22:51**
